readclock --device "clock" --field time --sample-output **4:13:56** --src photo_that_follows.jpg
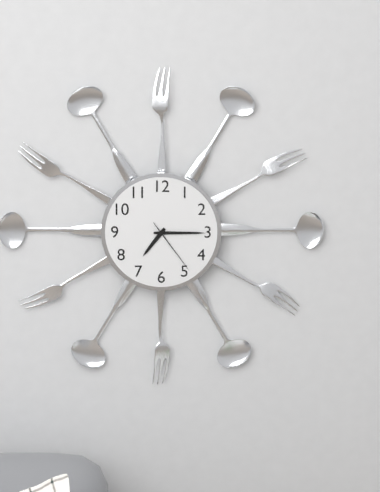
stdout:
**7:15:24**
